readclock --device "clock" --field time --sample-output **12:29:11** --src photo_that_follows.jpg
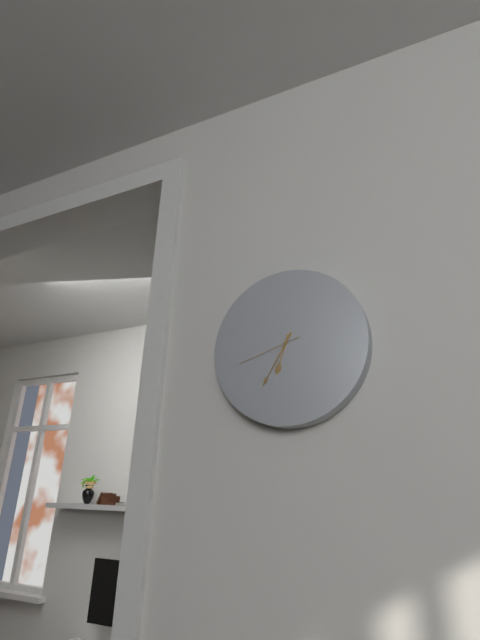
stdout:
**6:35:42**
